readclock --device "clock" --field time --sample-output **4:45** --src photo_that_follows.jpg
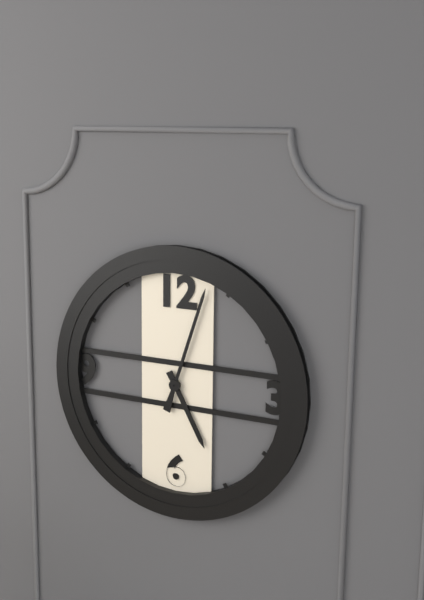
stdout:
**5:03**
